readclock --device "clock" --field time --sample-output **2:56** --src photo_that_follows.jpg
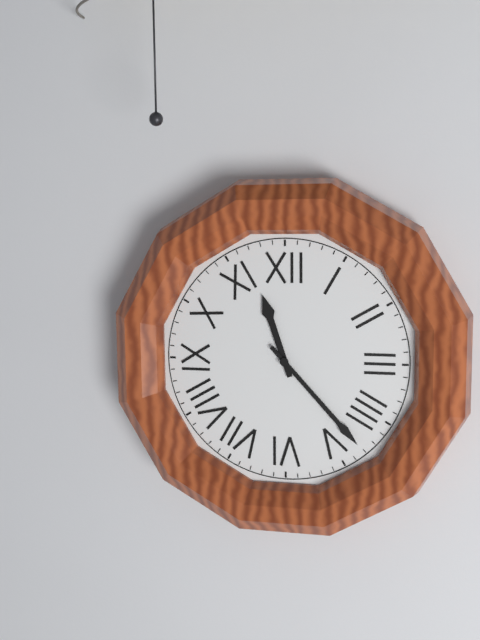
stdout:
**11:23**
